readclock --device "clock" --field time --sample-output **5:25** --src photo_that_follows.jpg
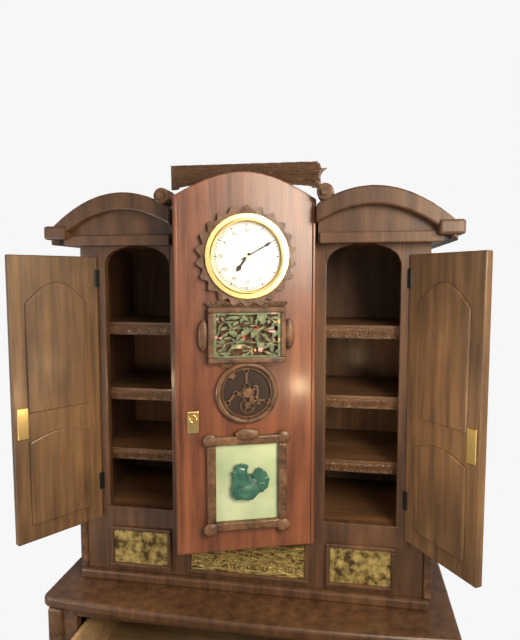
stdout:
**7:10**
